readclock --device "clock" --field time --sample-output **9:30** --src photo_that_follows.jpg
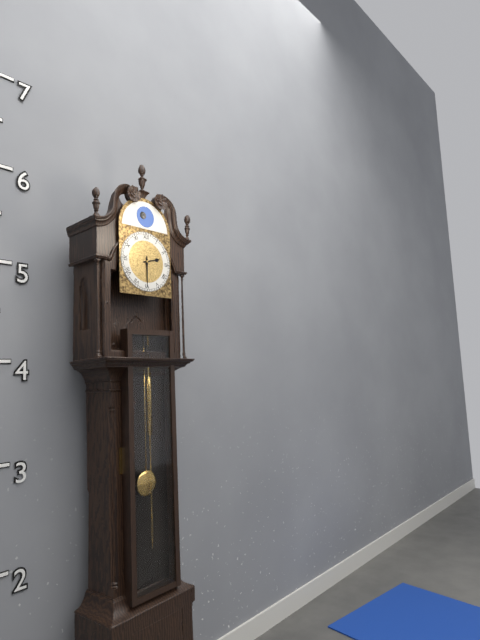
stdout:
**2:30**
